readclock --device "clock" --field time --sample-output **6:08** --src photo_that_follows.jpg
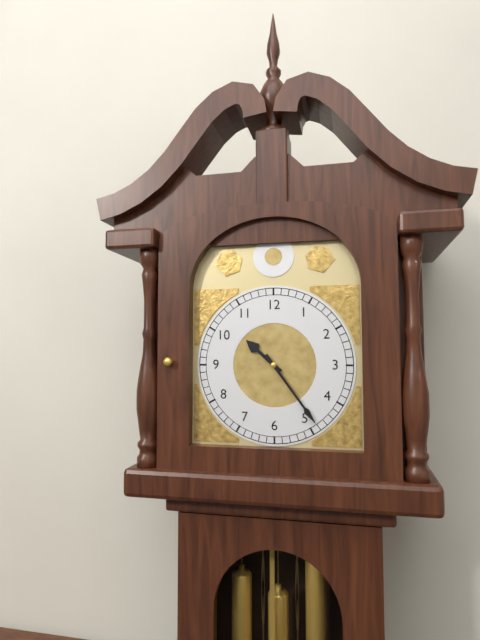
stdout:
**10:24**
